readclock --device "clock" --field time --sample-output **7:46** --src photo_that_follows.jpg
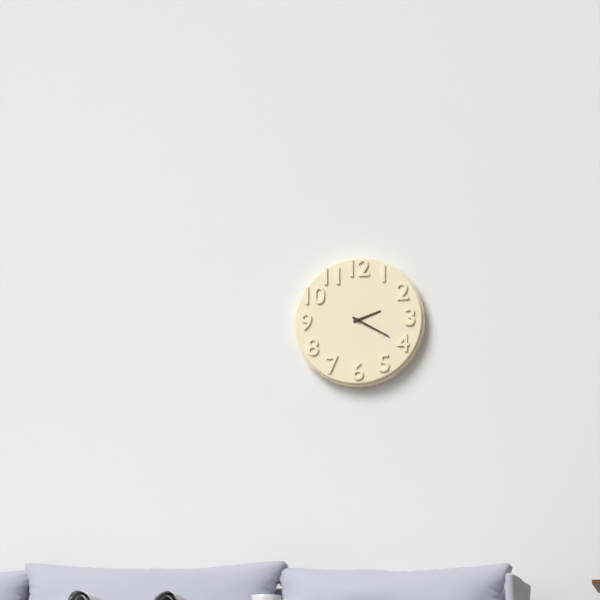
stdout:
**2:20**
